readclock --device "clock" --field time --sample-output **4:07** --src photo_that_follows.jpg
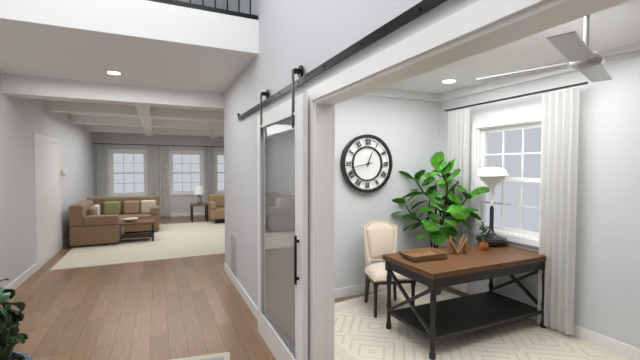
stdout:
**12:43**
